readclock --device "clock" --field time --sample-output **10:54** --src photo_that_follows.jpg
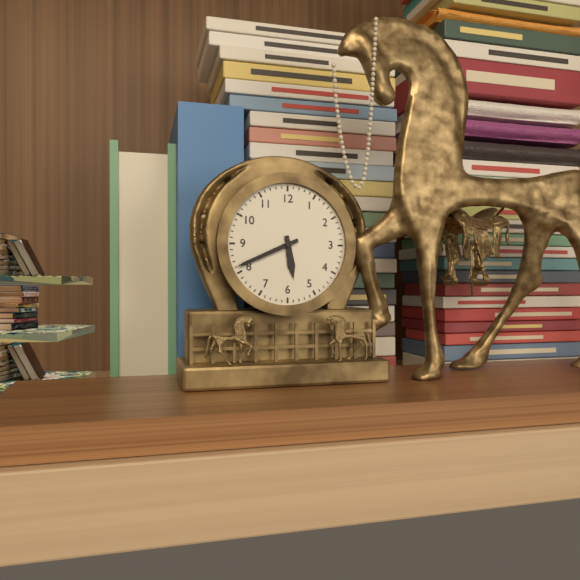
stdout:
**5:41**
